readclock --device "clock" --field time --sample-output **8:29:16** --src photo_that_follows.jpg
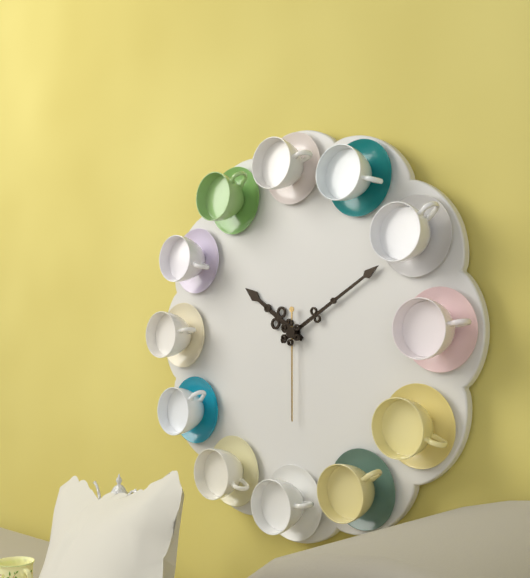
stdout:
**10:10:30**
